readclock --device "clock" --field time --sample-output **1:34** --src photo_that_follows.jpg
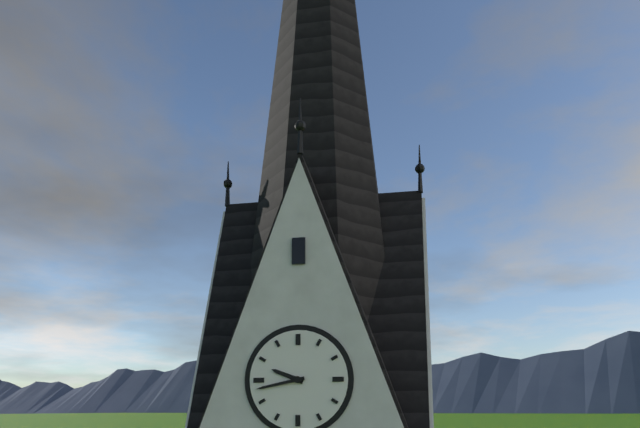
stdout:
**9:43**
